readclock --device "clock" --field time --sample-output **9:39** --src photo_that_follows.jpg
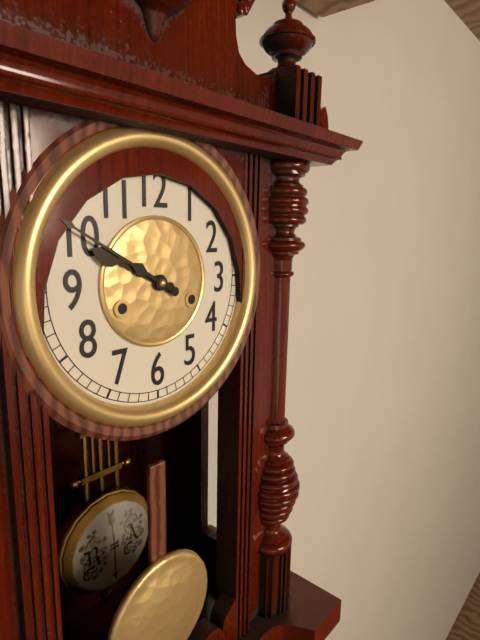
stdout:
**9:50**
